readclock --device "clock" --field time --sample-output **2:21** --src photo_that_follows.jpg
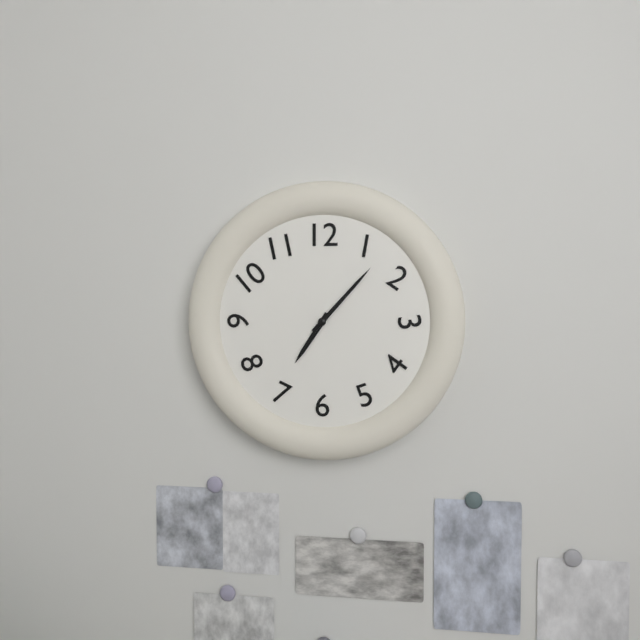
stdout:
**7:07**
